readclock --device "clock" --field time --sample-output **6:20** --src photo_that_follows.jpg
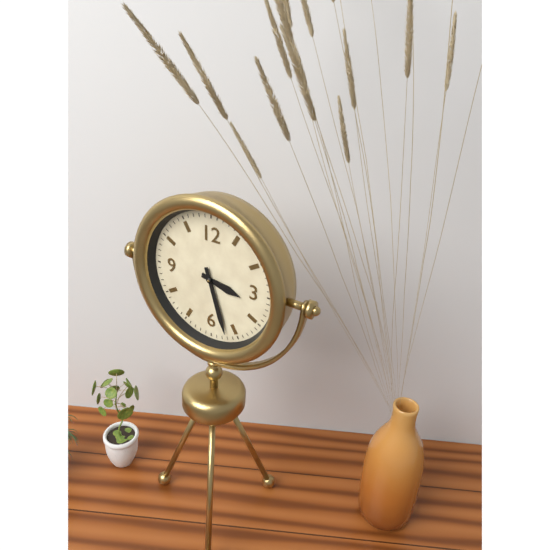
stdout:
**3:27**
